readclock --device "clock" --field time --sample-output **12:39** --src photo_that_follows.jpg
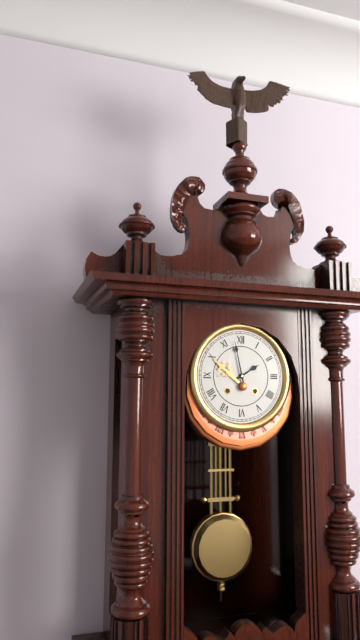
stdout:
**1:58**
